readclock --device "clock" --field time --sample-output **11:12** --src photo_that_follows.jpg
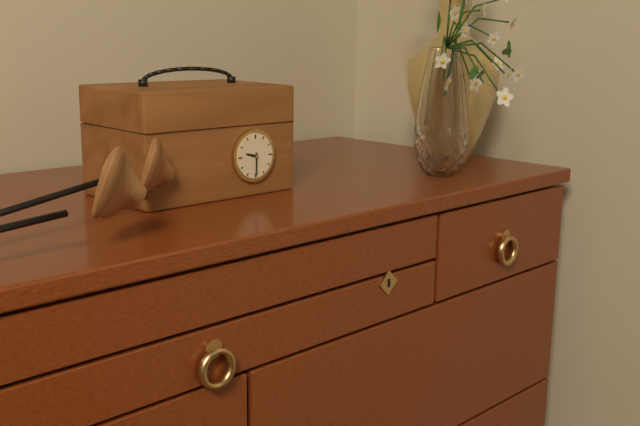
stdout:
**9:30**
